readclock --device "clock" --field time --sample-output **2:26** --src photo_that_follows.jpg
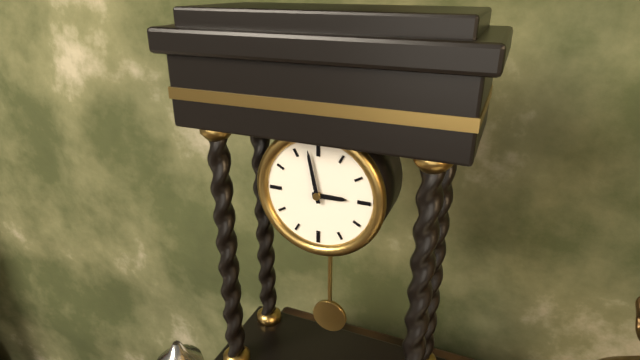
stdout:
**2:58**
